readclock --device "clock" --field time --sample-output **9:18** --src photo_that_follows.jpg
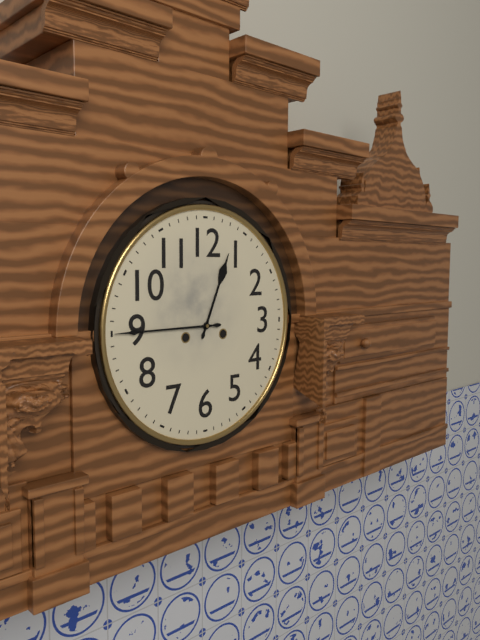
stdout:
**12:45**
